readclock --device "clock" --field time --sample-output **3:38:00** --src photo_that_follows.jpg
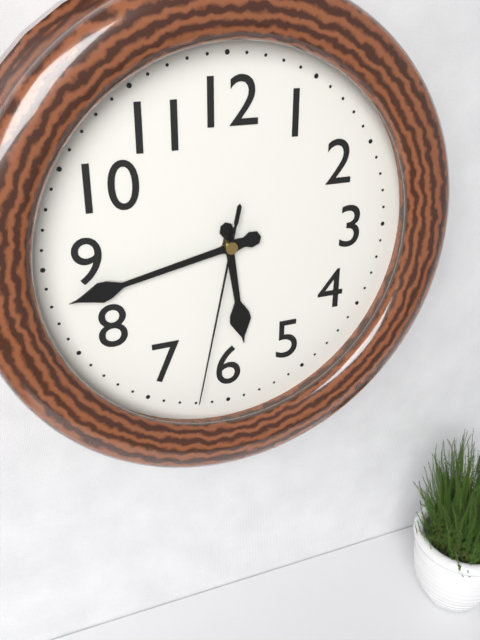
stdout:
**5:43:32**
